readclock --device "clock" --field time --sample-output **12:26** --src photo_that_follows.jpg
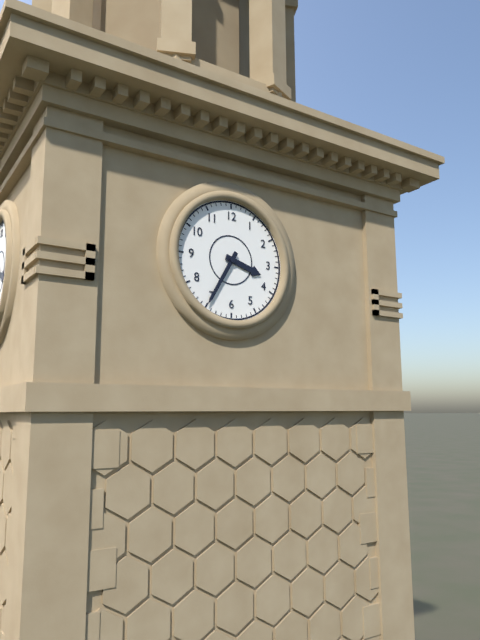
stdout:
**3:35**
